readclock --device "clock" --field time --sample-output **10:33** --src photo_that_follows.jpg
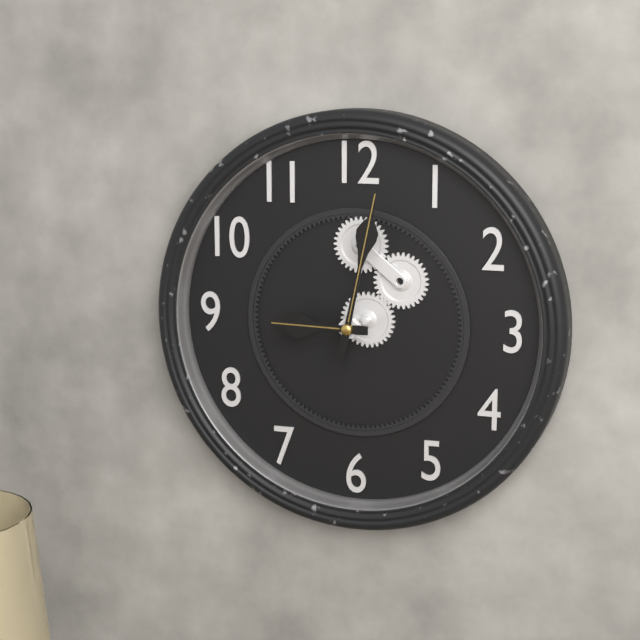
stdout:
**9:02**
